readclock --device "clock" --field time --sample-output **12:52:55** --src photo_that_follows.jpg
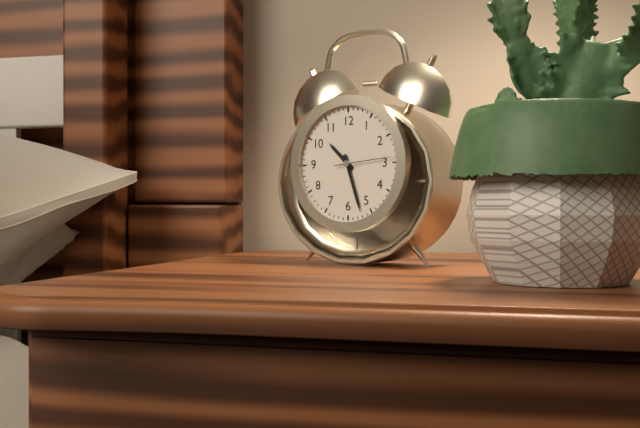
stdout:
**10:27:14**
